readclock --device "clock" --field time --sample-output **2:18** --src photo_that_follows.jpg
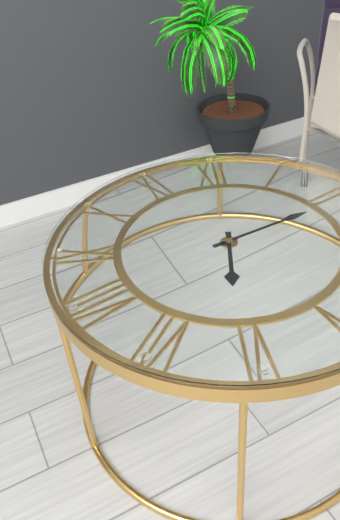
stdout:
**6:11**
